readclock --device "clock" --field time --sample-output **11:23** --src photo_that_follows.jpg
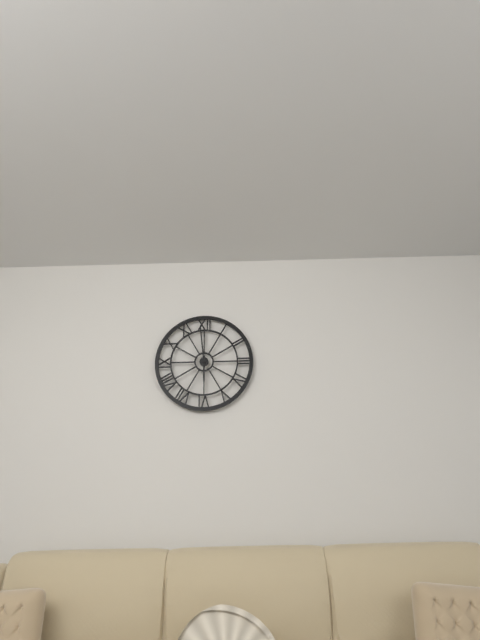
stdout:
**5:59**
